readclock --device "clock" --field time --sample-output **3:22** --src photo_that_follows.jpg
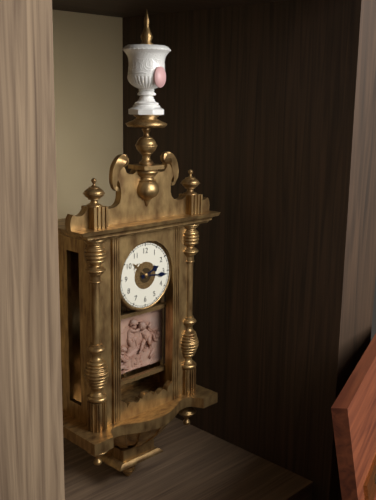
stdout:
**2:16**
